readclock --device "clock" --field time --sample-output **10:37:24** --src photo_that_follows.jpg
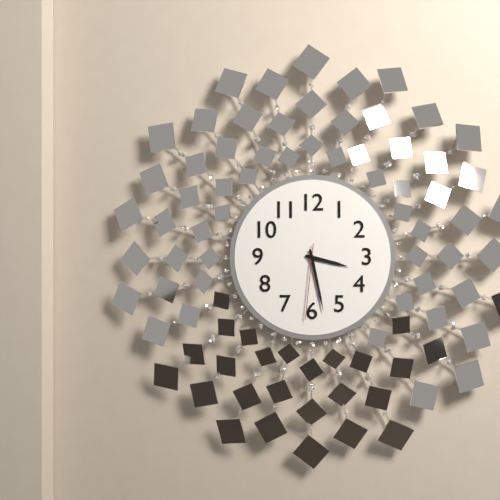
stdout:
**3:28:31**
